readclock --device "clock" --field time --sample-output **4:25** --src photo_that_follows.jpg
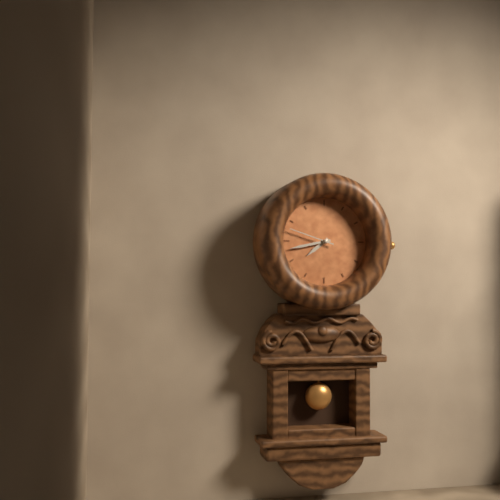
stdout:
**7:43**
